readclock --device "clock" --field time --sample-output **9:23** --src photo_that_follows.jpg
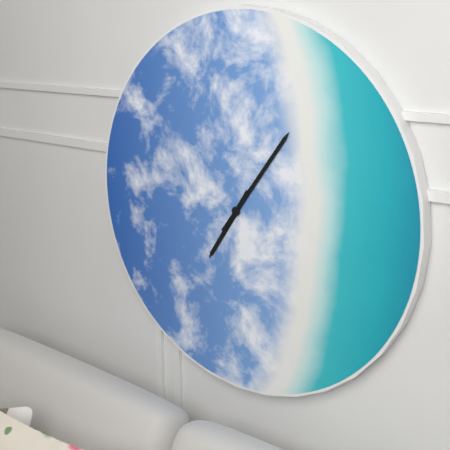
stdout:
**7:06**
